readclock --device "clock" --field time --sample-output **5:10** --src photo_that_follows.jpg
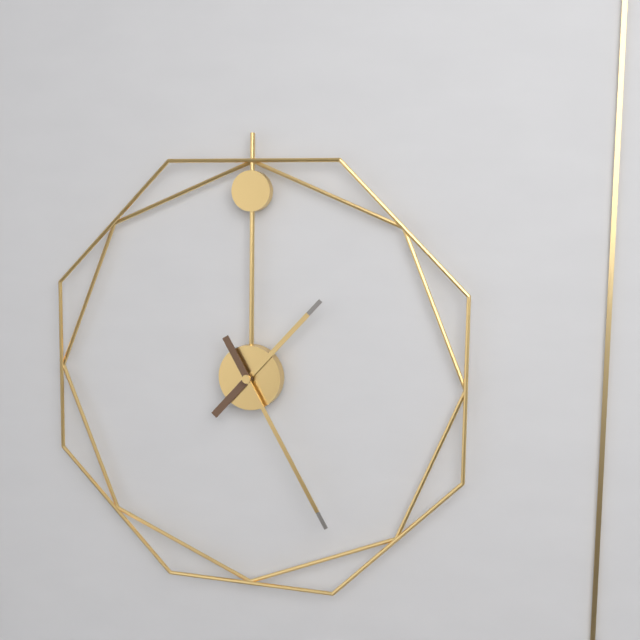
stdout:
**1:25**
